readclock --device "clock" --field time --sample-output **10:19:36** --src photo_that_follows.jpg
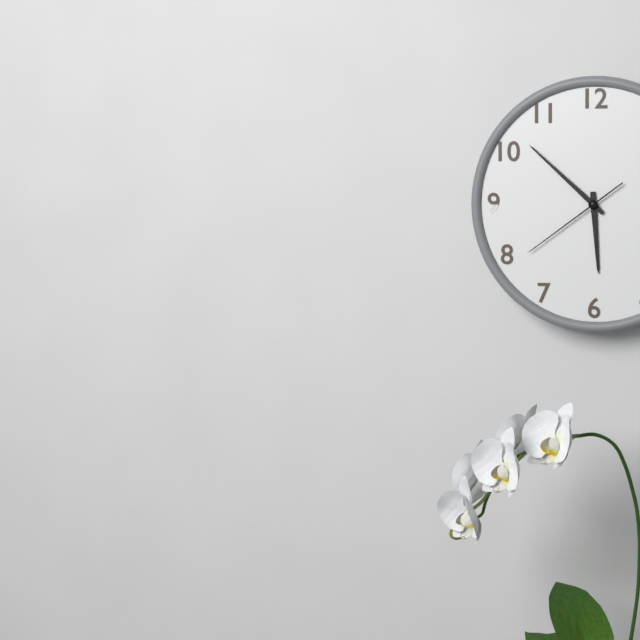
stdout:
**5:52:39**
